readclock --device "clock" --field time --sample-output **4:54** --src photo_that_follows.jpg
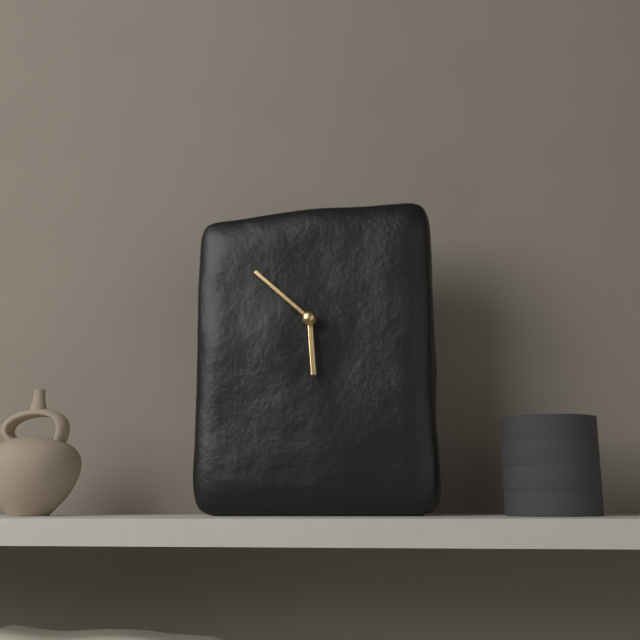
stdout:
**5:52**
